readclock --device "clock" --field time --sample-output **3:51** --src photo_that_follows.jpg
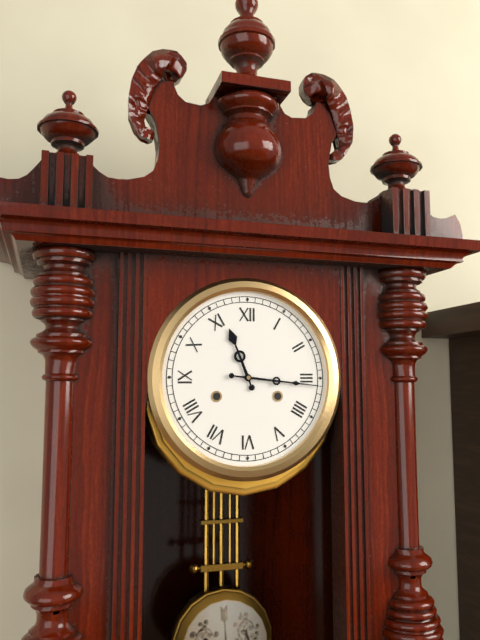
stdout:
**11:16**
